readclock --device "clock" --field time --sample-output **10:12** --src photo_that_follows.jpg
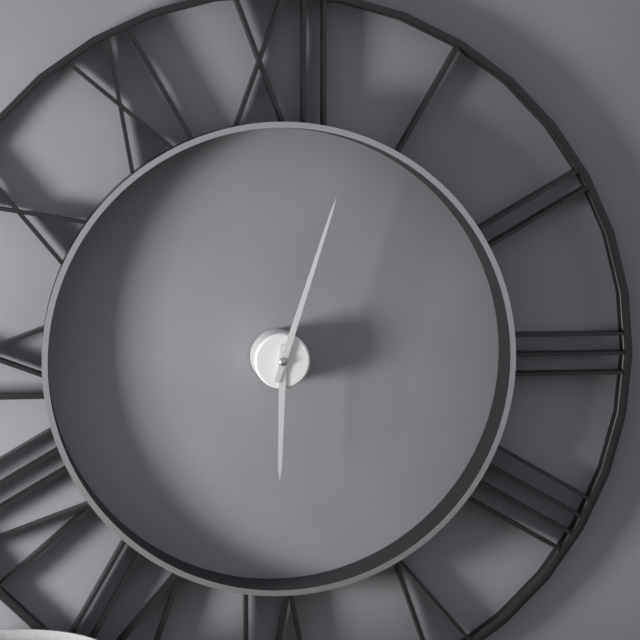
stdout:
**6:03**
